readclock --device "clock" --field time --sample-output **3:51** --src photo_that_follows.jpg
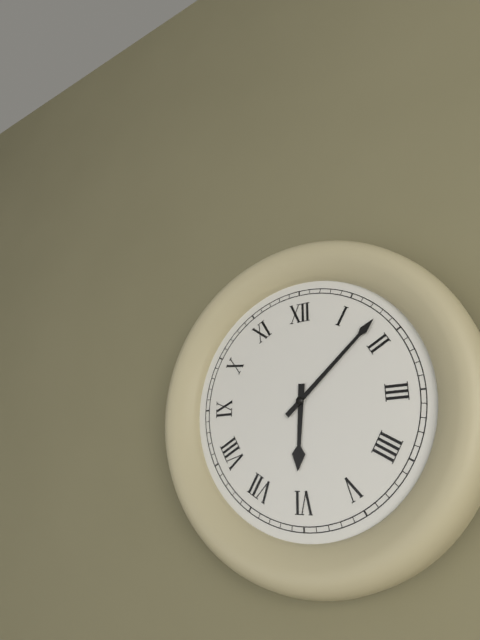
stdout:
**6:08**
